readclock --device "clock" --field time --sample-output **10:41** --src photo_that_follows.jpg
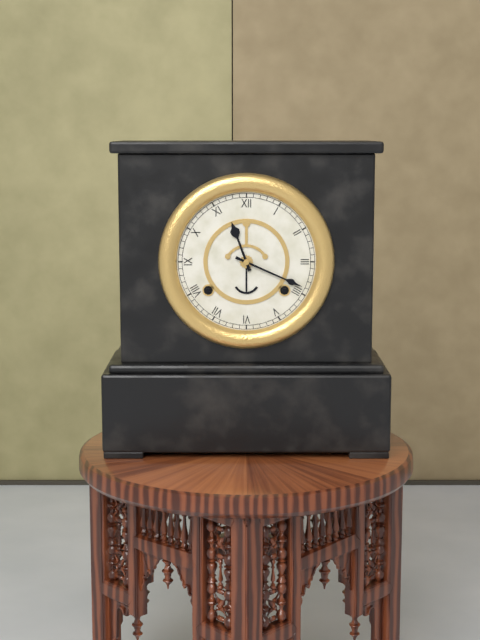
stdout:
**11:19**
